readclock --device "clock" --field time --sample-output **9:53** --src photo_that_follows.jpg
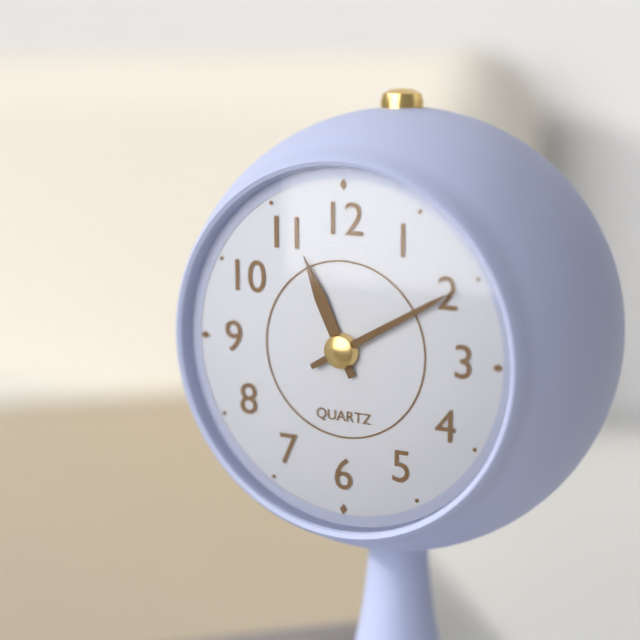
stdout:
**11:10**
